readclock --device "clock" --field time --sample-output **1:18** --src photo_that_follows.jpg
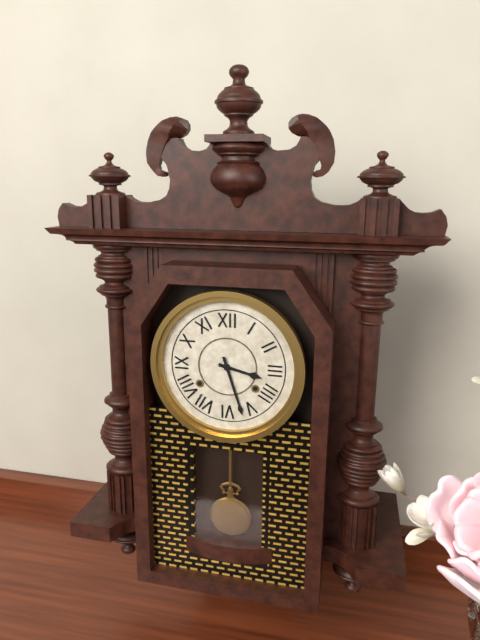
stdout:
**3:27**
